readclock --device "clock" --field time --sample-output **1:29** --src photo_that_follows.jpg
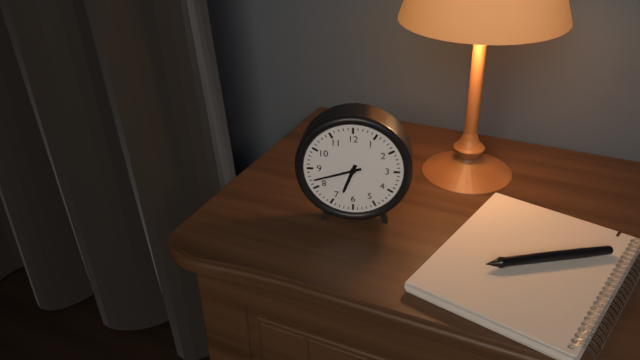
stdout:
**6:42**
